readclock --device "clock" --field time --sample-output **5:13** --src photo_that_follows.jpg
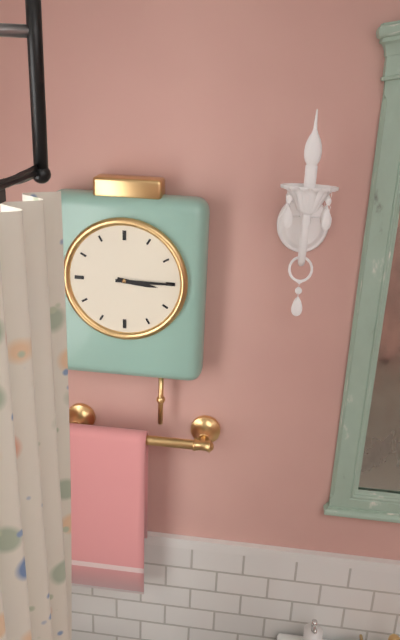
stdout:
**3:15**
